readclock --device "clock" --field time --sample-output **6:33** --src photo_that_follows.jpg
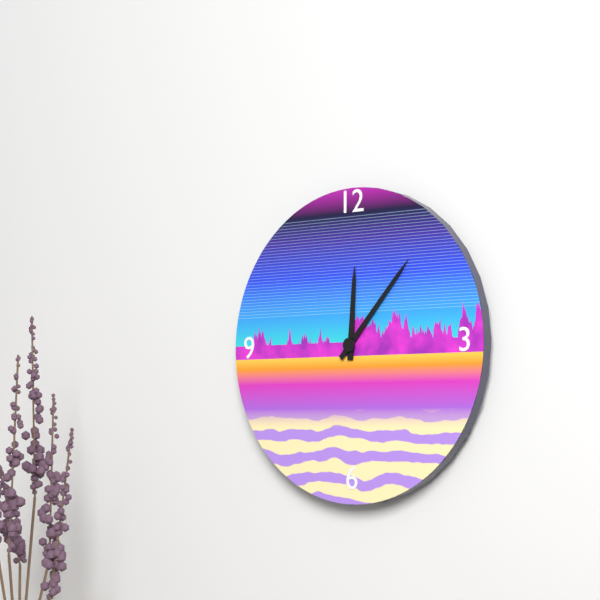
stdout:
**12:07**
